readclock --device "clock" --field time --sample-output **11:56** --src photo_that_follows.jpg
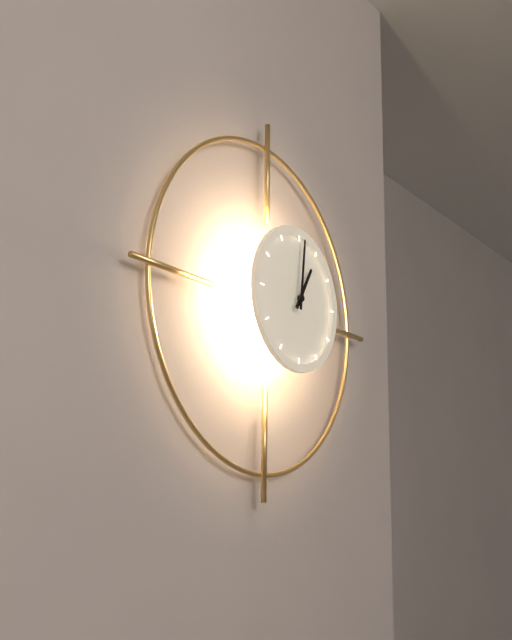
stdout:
**1:01**
